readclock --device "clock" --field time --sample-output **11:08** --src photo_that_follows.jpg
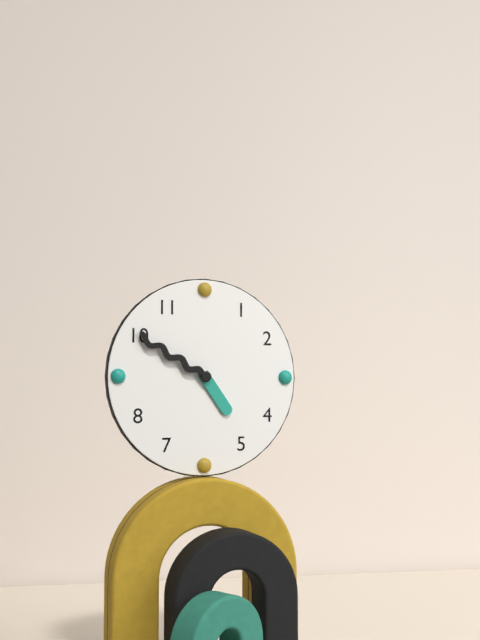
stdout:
**4:50**
